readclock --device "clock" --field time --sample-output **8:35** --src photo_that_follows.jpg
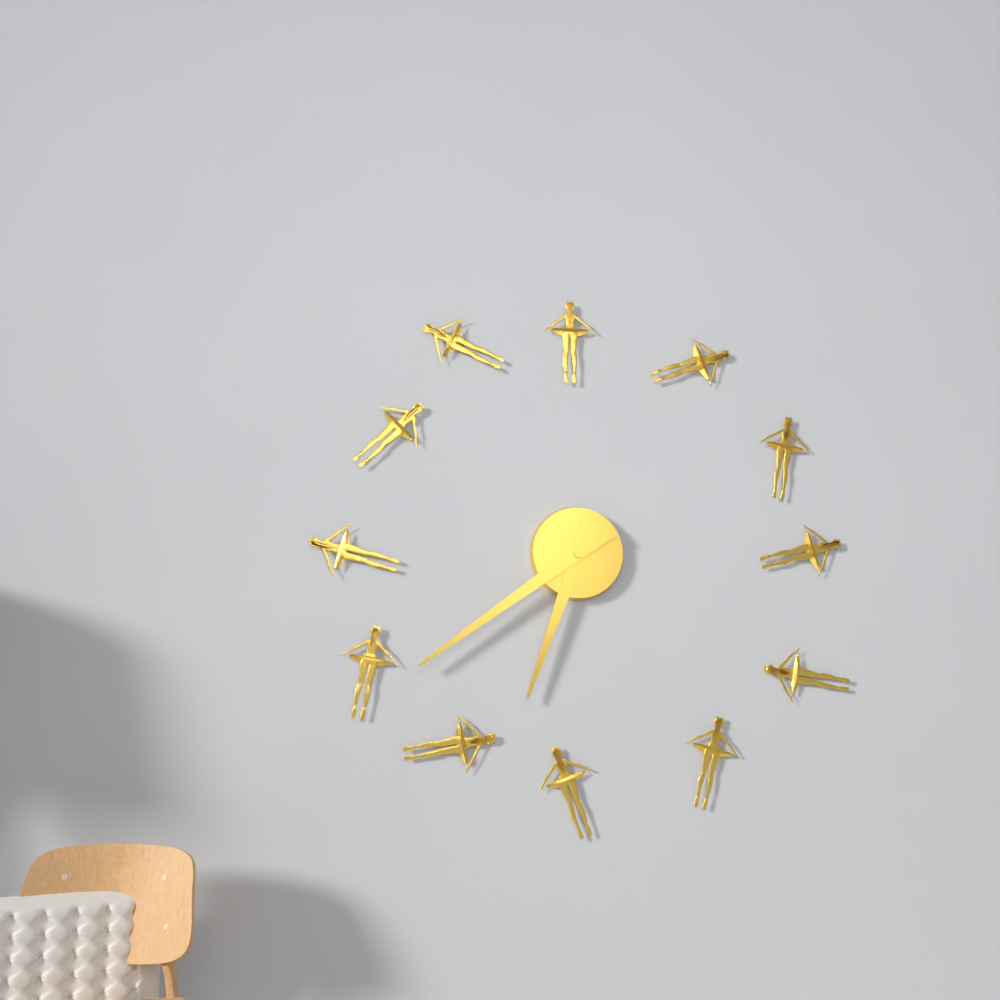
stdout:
**6:39**
